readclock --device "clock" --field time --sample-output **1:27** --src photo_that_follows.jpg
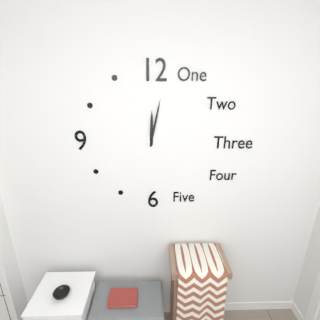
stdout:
**12:02**
